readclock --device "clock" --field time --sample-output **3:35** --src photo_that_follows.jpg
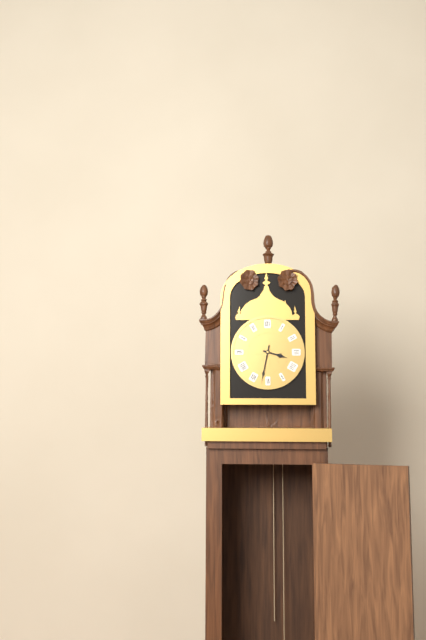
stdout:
**3:32**
